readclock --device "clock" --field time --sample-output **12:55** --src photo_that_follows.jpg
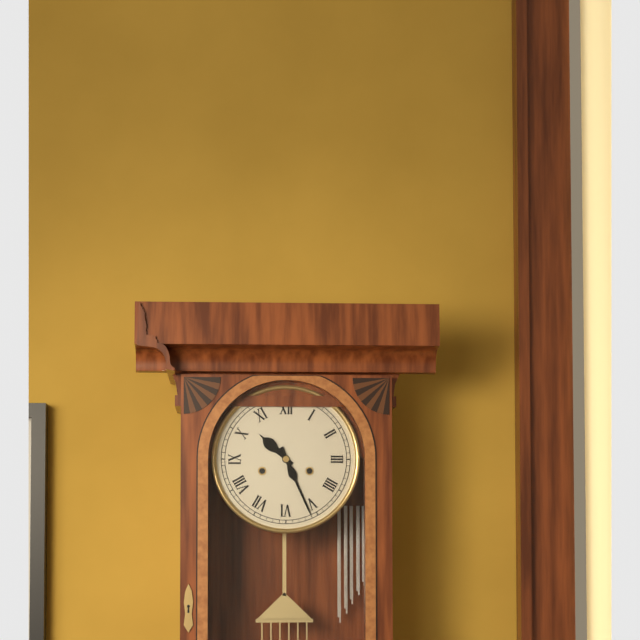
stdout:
**10:26**
